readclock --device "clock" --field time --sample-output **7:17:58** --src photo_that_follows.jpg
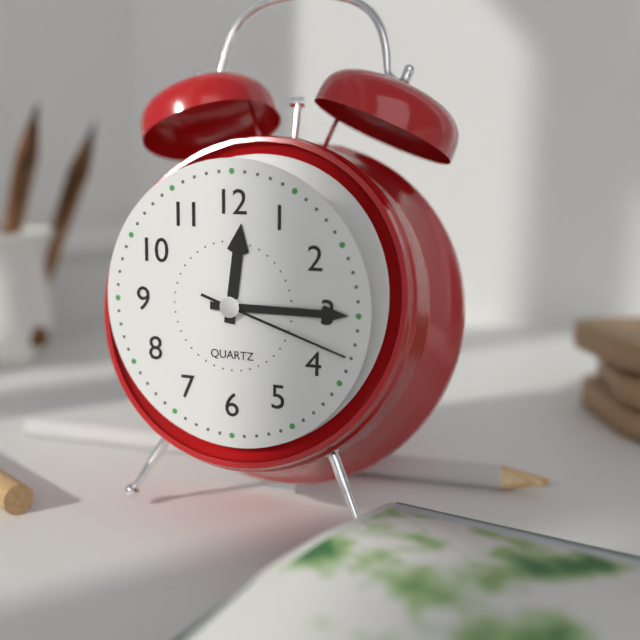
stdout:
**12:15:18**
